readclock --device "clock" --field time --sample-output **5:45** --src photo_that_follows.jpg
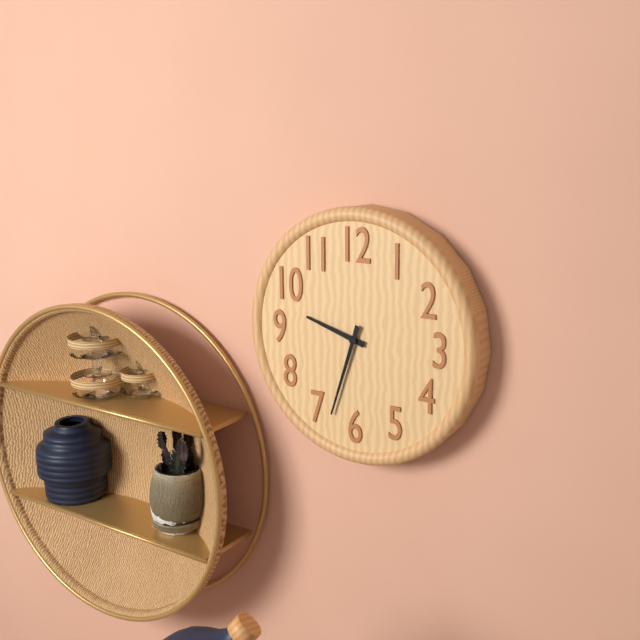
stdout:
**9:33**
